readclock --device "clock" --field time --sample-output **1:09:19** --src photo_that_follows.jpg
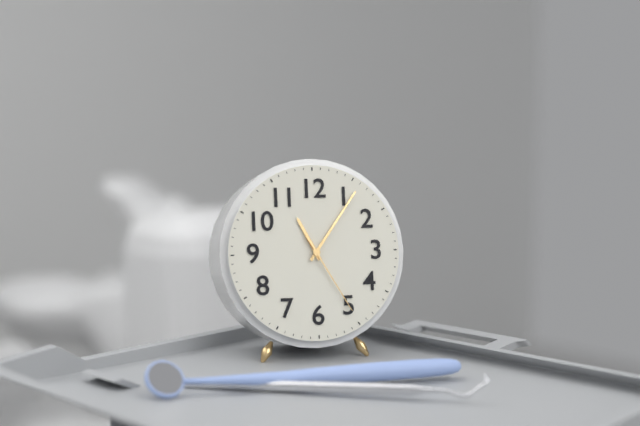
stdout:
**11:06:25**
